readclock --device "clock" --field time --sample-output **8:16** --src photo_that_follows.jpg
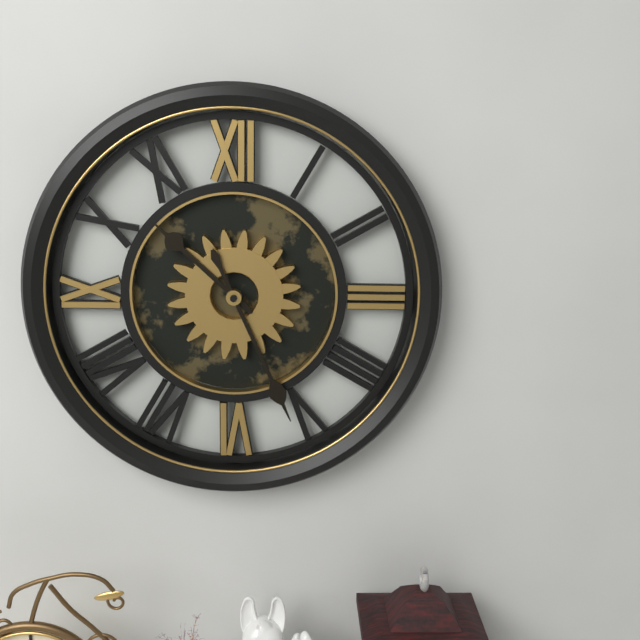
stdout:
**10:26**
